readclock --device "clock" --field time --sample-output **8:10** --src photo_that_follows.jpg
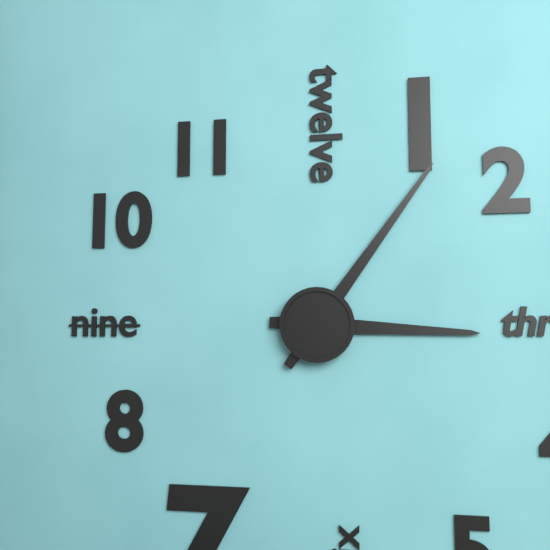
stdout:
**3:06**
